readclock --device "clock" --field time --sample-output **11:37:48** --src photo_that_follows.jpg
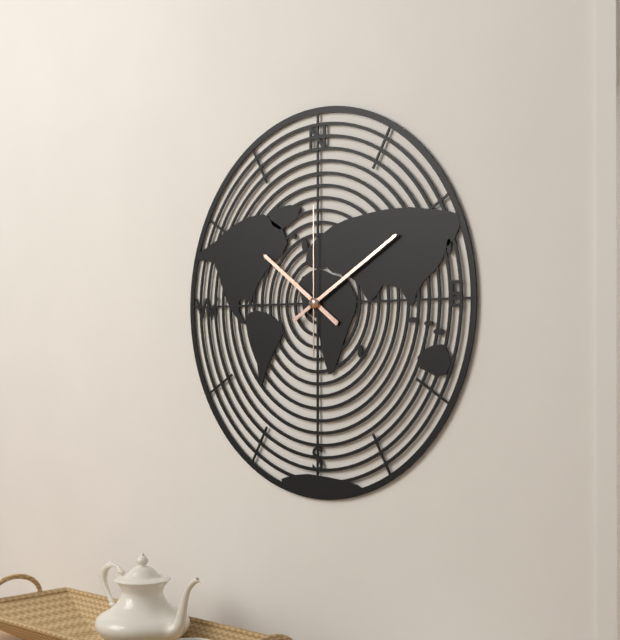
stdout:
**10:10:00**
